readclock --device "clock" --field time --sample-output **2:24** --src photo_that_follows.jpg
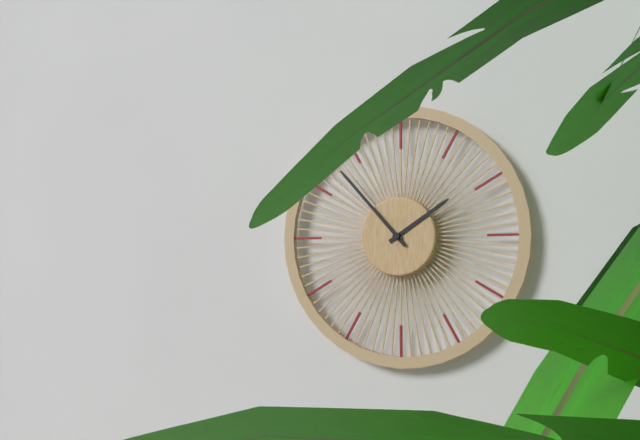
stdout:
**1:53**
